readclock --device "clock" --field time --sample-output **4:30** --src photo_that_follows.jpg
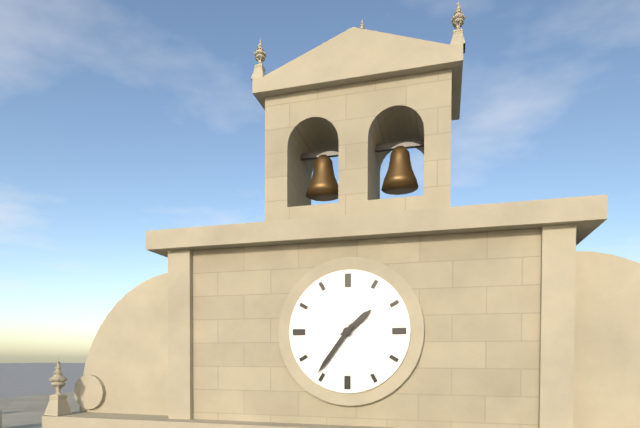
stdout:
**1:36**
